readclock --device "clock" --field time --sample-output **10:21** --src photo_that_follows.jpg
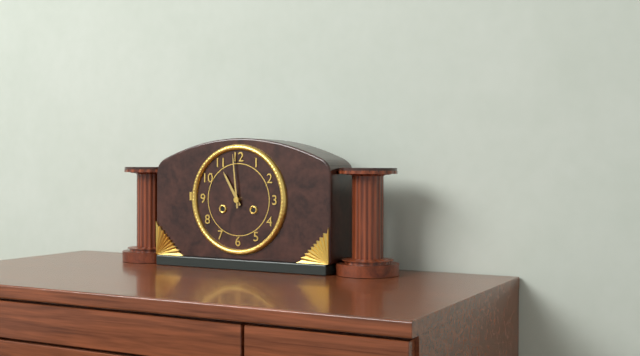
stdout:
**10:59**
